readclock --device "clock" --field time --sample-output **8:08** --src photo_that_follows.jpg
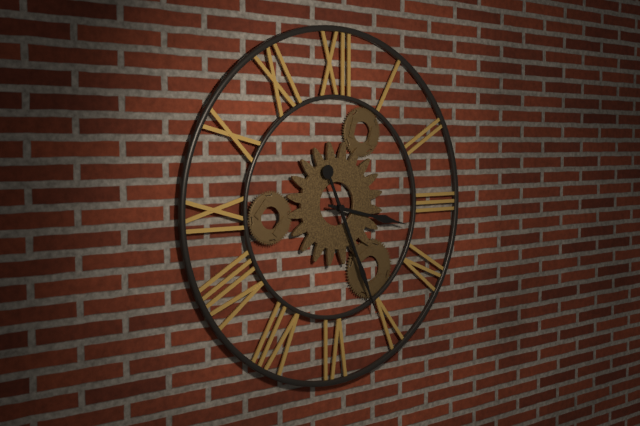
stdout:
**3:26**
